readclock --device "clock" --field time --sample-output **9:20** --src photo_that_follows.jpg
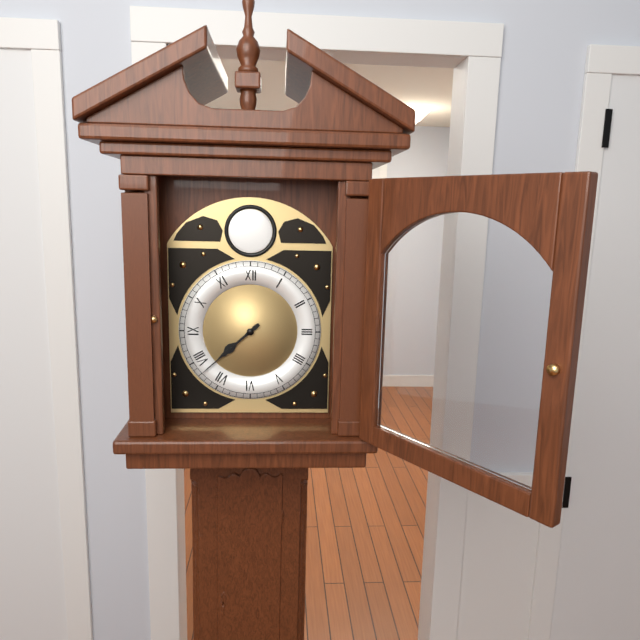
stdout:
**7:38**
